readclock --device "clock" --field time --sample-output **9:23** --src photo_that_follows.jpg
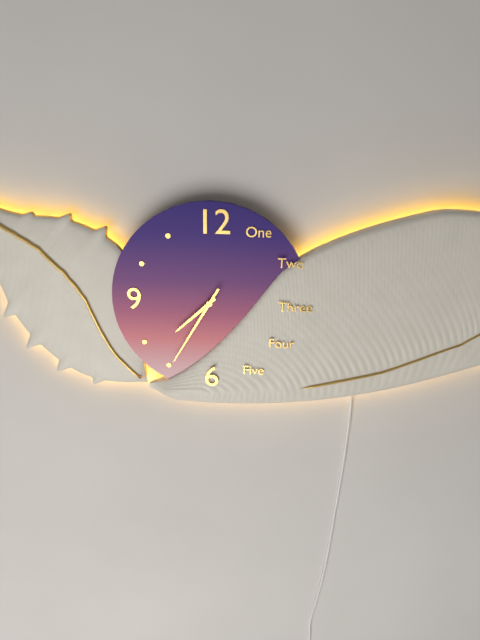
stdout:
**7:35**
